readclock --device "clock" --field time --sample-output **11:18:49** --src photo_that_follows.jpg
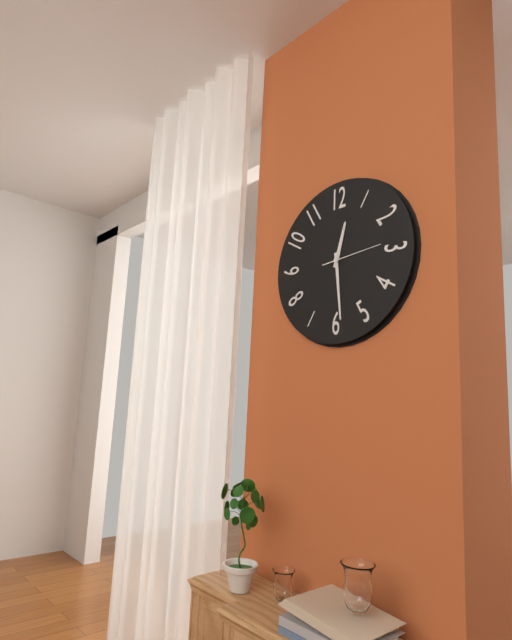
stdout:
**12:29:14**
